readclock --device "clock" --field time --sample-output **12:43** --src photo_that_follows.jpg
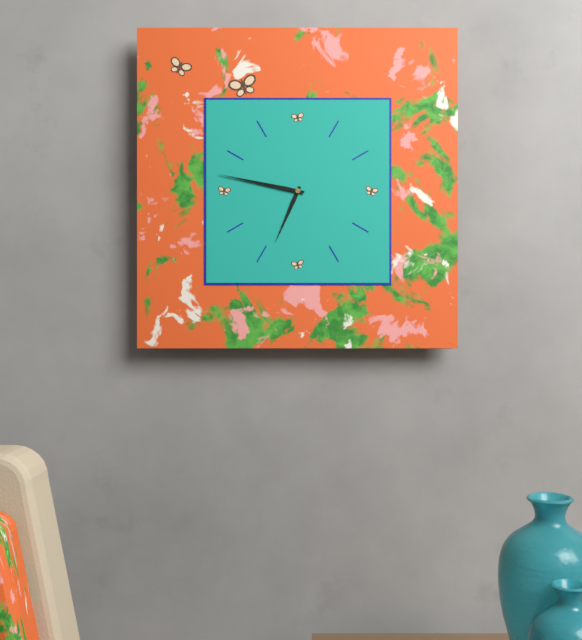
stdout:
**6:47**
